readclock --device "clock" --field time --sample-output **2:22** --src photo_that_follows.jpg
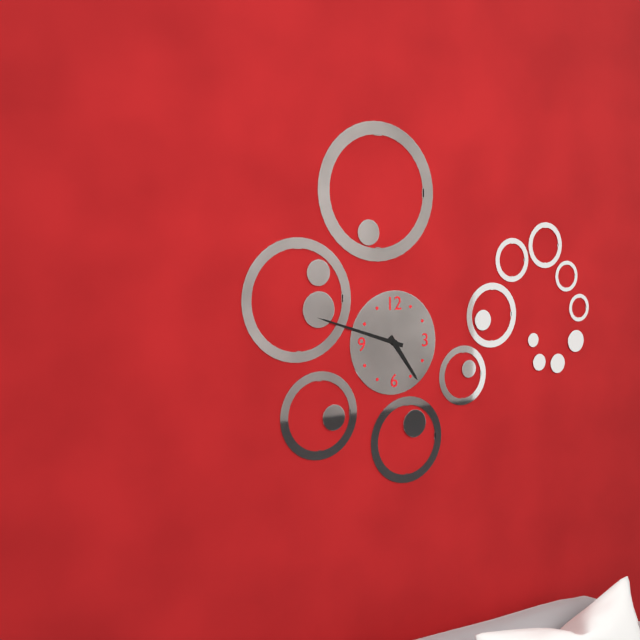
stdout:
**4:48**
